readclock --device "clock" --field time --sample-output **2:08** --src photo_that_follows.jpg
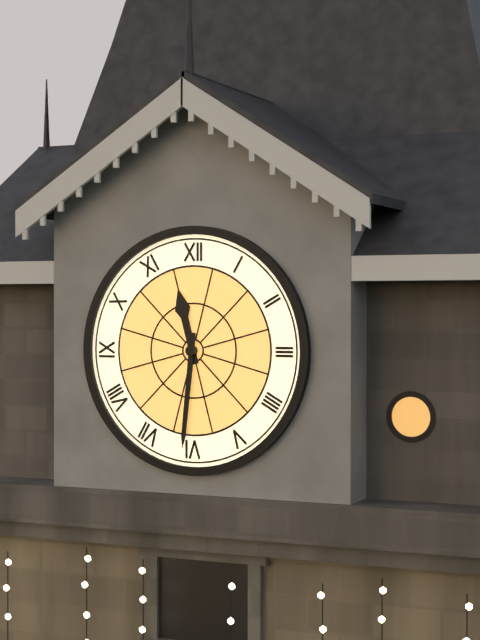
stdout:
**11:31**
